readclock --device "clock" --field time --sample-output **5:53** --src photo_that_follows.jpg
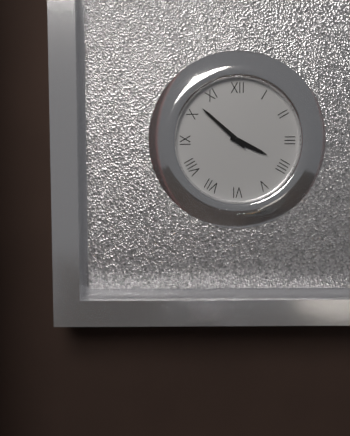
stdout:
**3:52**
